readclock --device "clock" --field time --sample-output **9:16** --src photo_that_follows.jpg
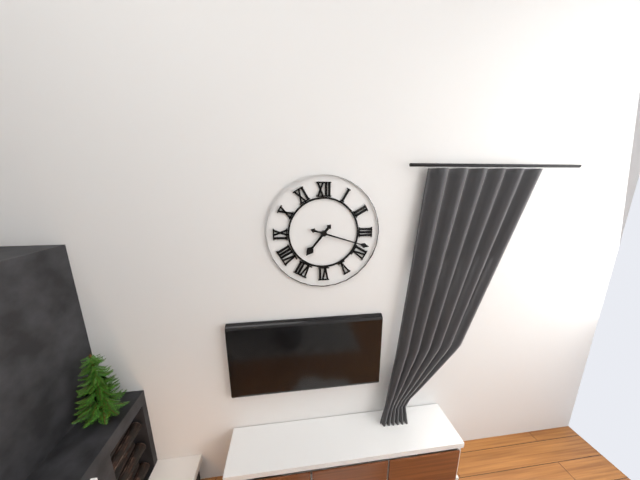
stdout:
**7:18**
